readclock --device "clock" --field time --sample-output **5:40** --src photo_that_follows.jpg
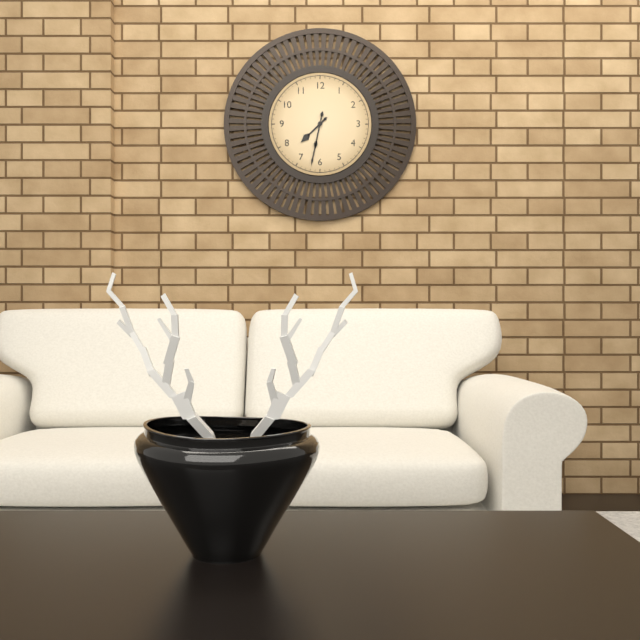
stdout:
**7:32**
